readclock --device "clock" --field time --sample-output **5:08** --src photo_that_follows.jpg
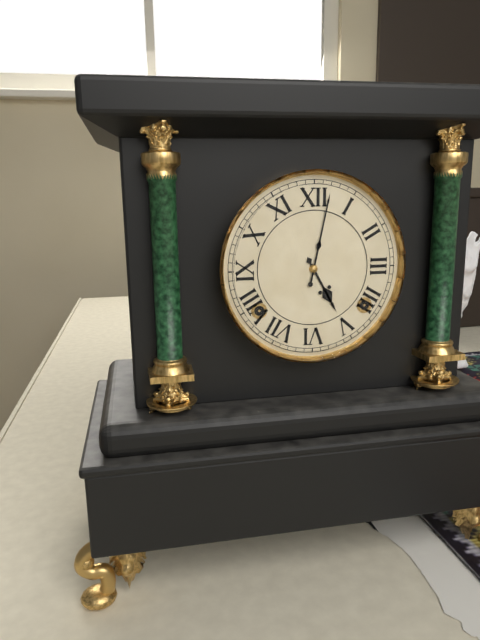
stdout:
**5:02**
